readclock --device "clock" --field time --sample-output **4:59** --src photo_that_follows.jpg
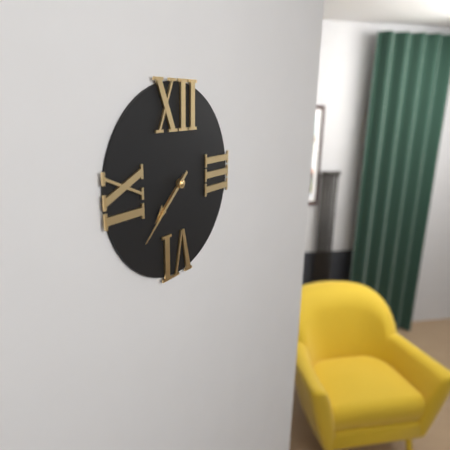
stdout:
**7:38**
